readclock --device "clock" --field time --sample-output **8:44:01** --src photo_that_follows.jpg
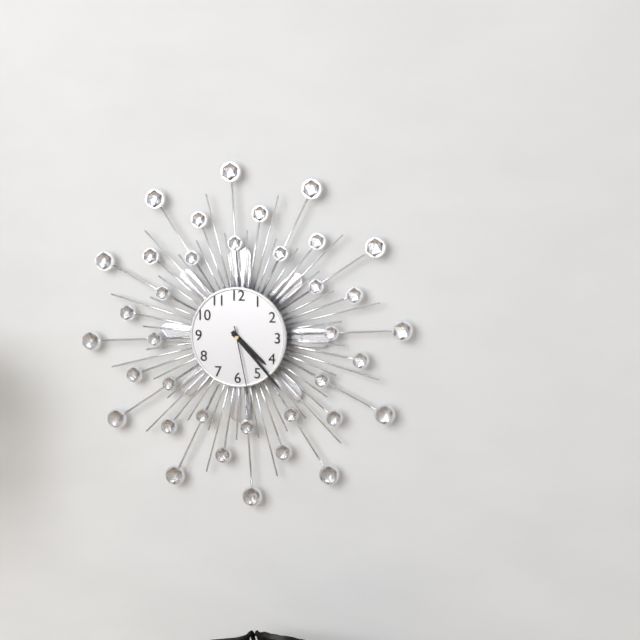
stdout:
**4:23:28**
